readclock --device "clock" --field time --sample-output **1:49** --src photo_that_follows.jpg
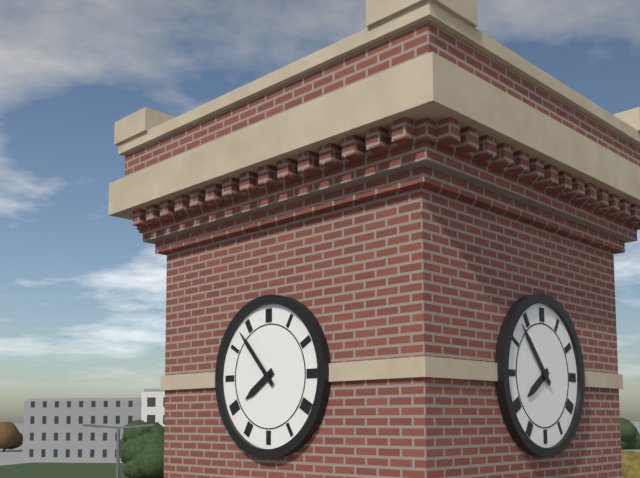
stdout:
**7:53**
